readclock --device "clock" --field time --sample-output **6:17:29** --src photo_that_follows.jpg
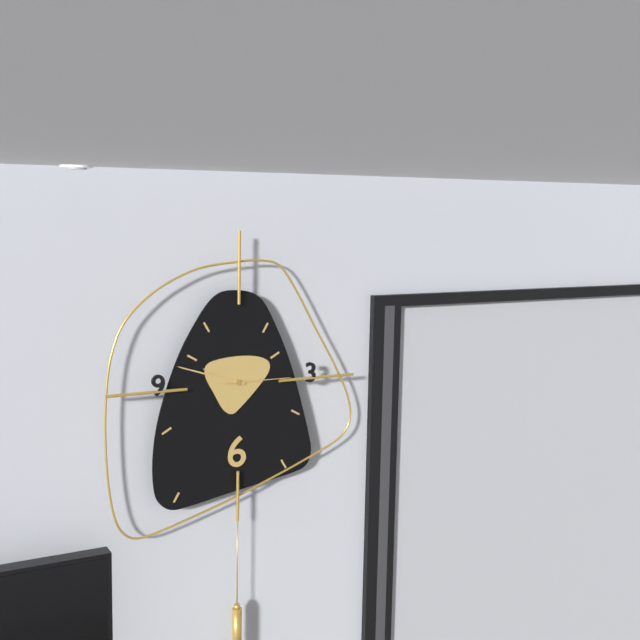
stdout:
**9:48:15**
